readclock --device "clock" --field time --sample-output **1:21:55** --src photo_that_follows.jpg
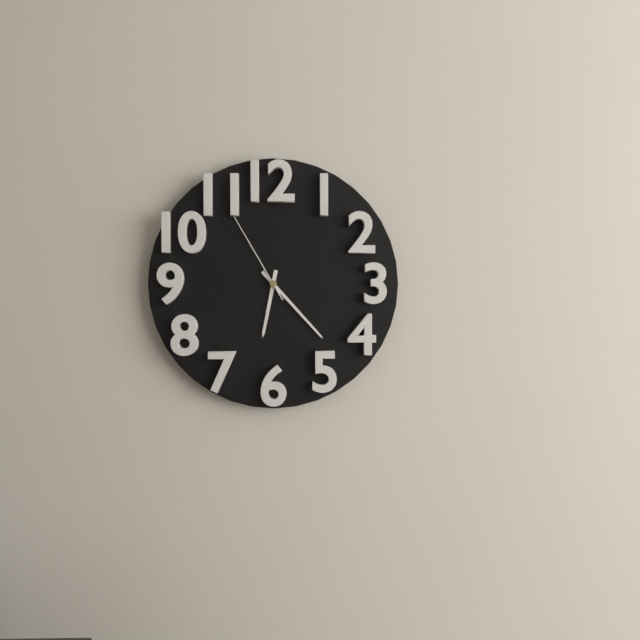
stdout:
**6:23:55**
